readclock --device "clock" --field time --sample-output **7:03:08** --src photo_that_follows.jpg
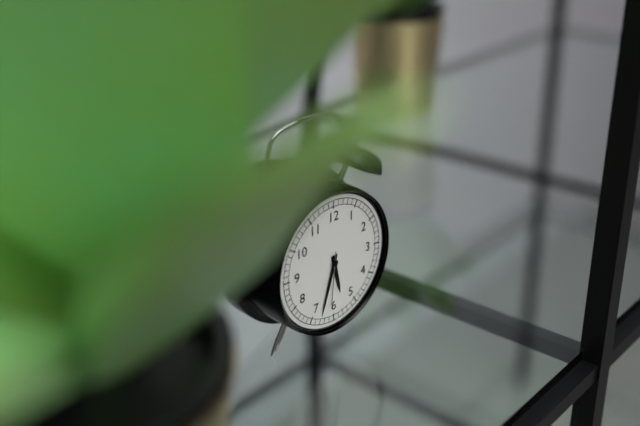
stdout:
**5:33:31**
